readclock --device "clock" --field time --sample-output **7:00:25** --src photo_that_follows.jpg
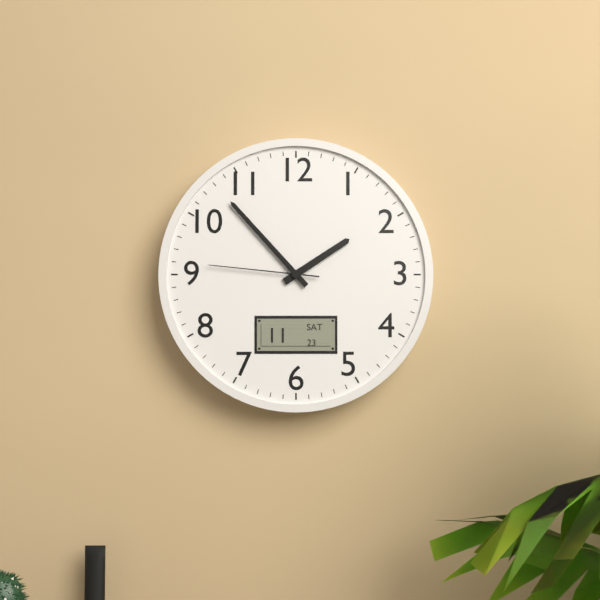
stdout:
**1:53:46**
